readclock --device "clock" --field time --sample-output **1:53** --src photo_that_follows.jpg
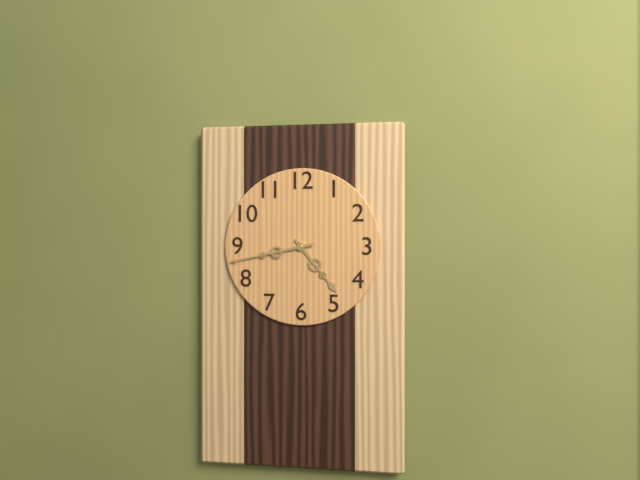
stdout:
**4:43**
